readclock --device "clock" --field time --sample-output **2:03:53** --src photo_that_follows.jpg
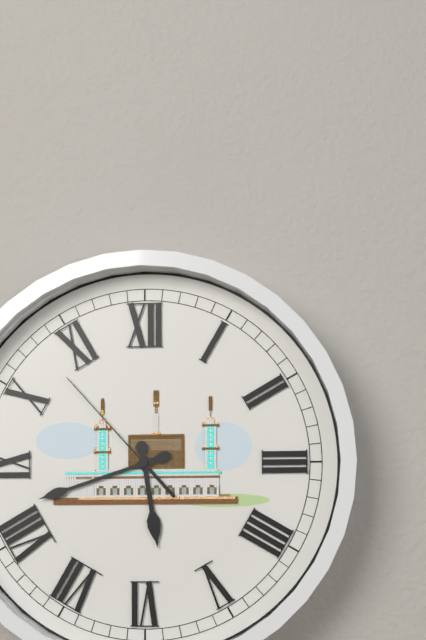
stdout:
**5:42:53**
